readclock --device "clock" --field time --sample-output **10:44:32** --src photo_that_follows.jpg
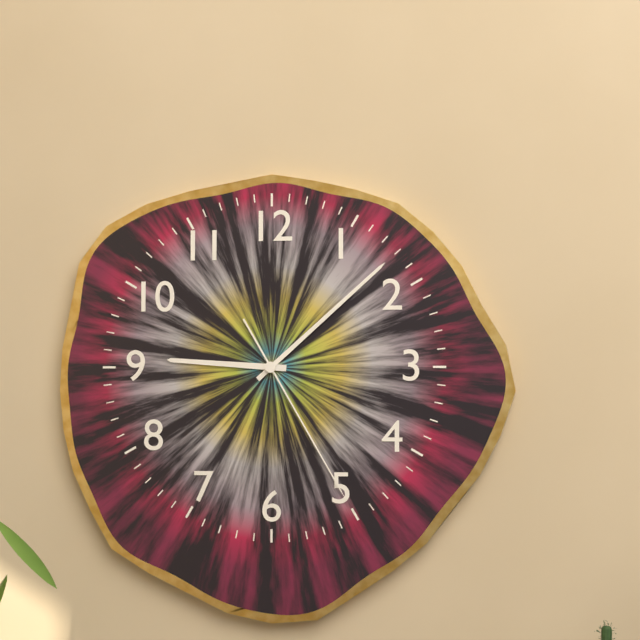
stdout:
**9:08:25**
